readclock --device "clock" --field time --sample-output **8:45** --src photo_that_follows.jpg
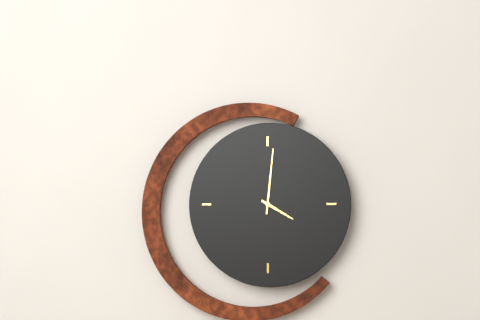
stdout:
**4:01**
